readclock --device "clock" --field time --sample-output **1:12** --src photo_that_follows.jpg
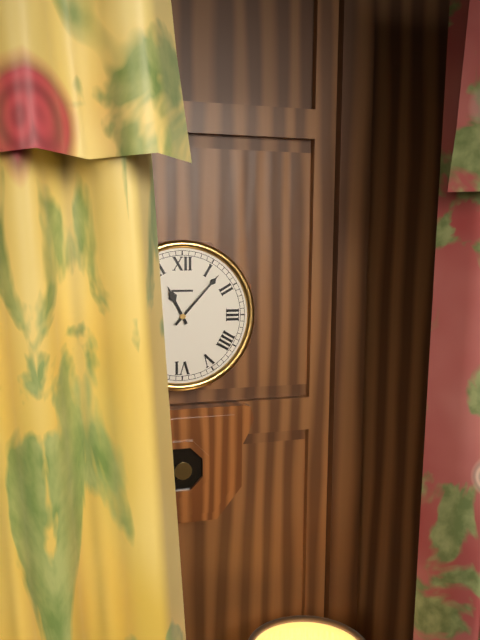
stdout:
**11:07**
